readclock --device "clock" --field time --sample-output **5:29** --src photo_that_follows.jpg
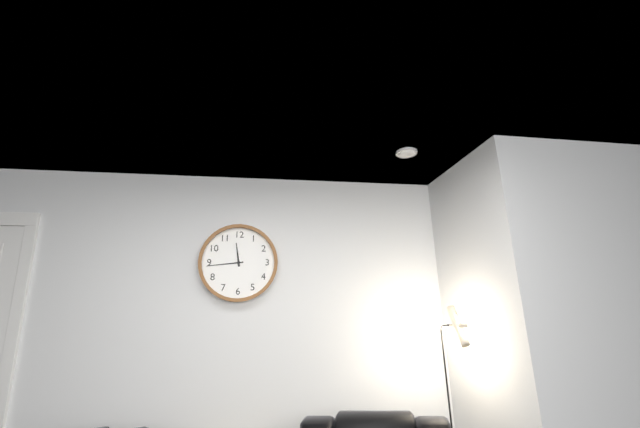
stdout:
**11:44**
